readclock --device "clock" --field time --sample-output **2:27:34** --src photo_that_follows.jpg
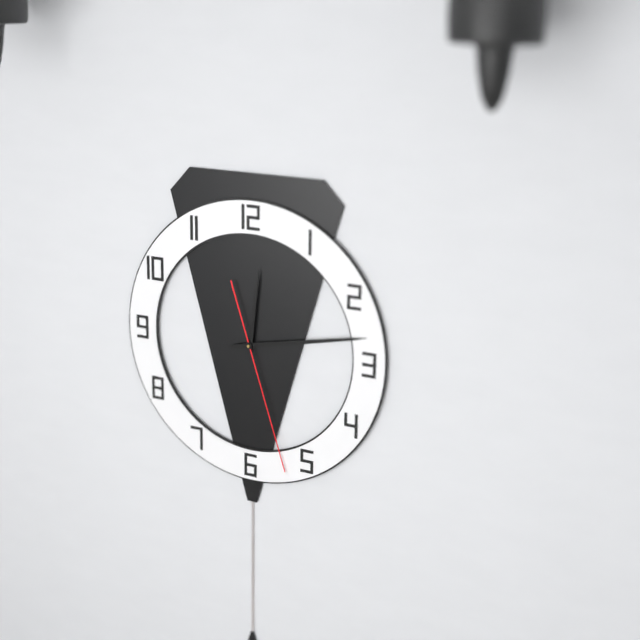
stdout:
**12:13:27**
